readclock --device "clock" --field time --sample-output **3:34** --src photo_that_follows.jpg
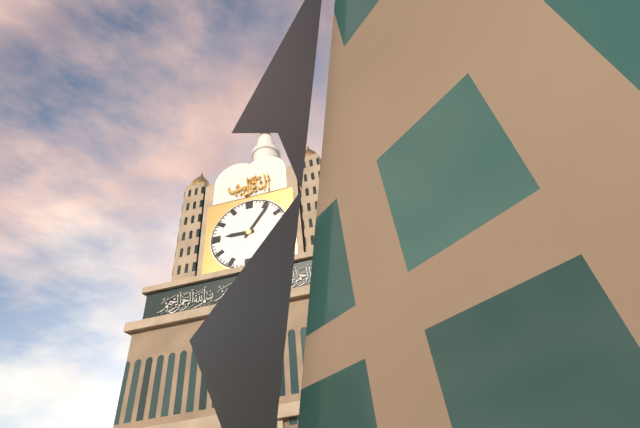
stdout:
**9:06**
